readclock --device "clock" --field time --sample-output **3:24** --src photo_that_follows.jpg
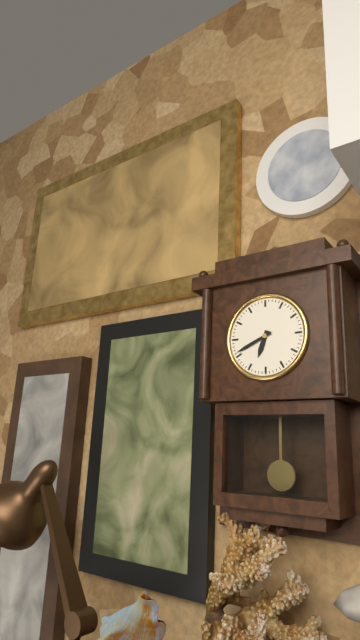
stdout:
**6:41**
